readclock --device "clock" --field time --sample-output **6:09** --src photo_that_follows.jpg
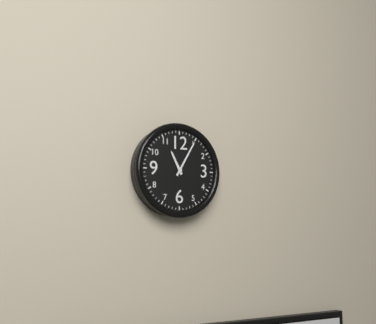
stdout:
**11:05**
